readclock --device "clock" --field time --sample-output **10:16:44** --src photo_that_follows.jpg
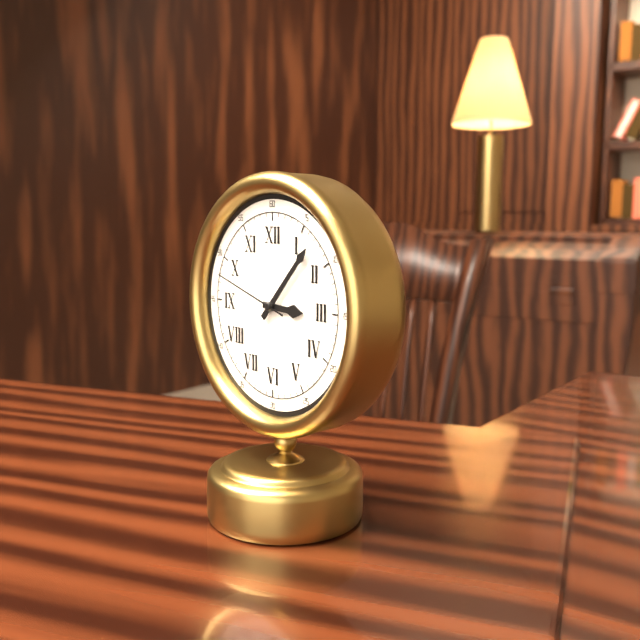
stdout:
**3:07:48**
